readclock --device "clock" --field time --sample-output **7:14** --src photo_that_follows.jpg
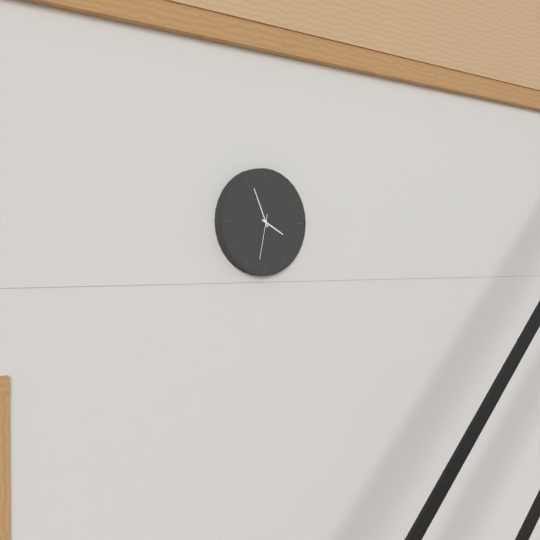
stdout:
**3:56**
